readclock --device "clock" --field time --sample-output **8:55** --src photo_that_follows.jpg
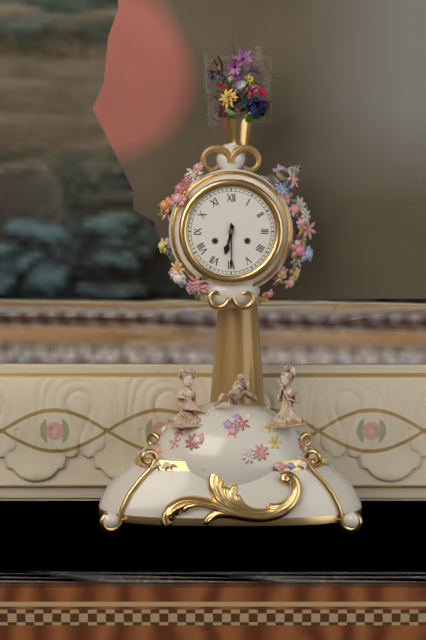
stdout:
**6:30**
